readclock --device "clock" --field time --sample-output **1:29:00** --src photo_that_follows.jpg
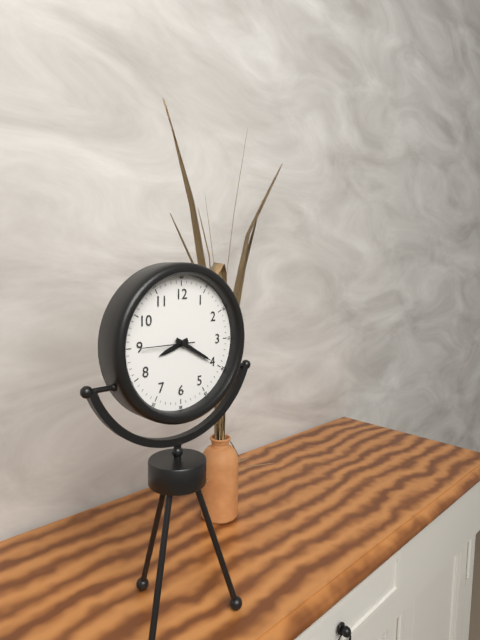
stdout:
**8:20:45**
